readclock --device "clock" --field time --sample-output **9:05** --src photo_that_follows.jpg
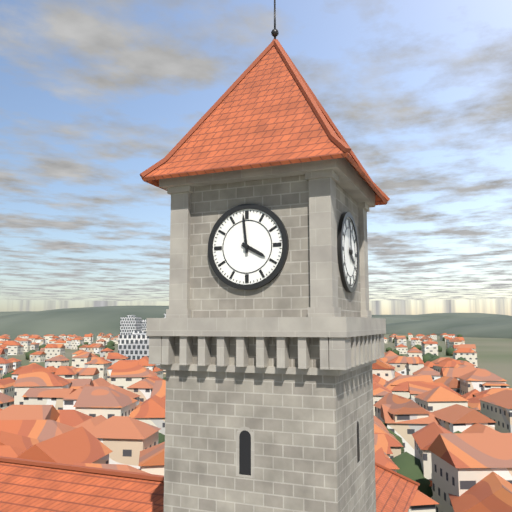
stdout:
**3:59**
